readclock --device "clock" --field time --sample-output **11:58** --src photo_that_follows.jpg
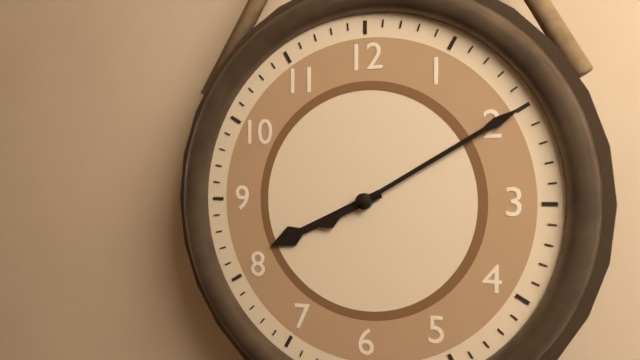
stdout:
**8:10**
